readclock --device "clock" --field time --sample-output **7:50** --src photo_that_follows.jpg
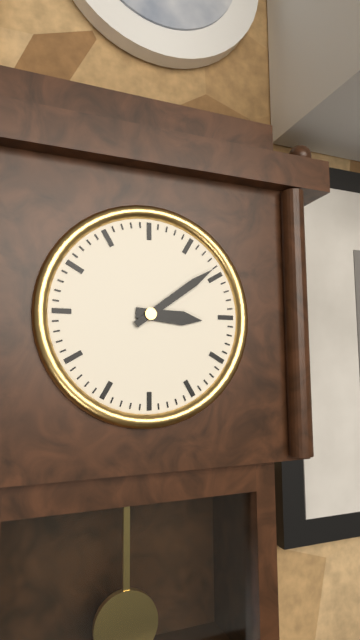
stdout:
**3:09**
